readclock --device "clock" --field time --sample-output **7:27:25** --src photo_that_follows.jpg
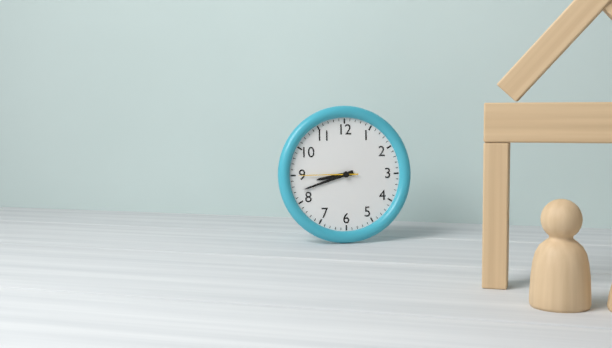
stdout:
**8:42:45**
